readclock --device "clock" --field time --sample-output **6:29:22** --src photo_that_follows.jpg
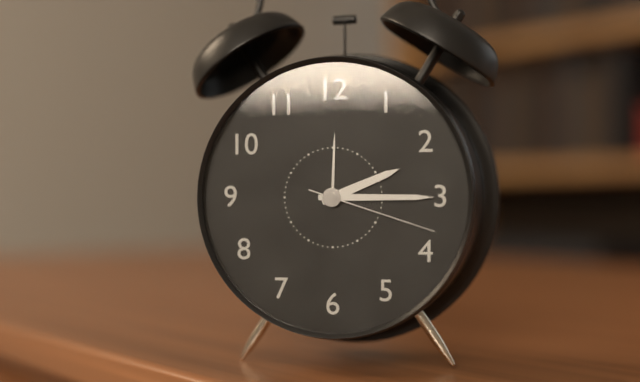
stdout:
**2:15:18**
